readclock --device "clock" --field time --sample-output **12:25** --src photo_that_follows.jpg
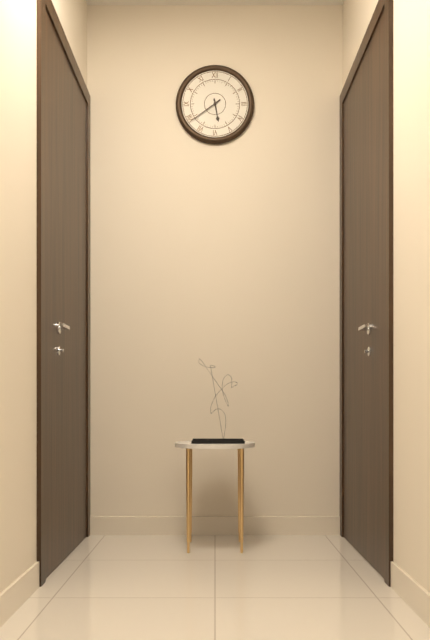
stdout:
**5:39**
